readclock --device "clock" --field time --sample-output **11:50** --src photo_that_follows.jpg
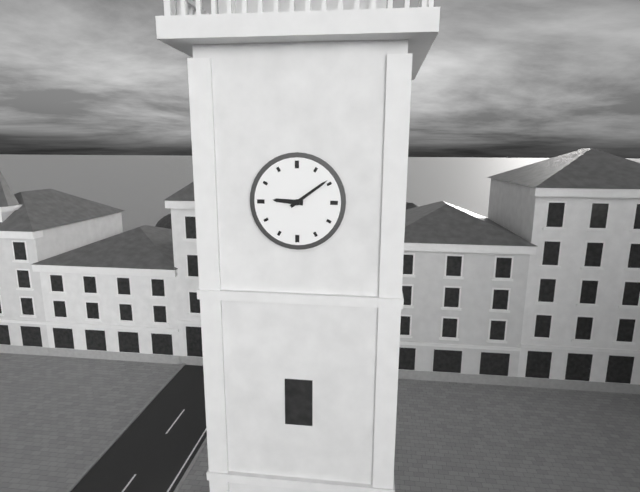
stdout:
**9:09**
